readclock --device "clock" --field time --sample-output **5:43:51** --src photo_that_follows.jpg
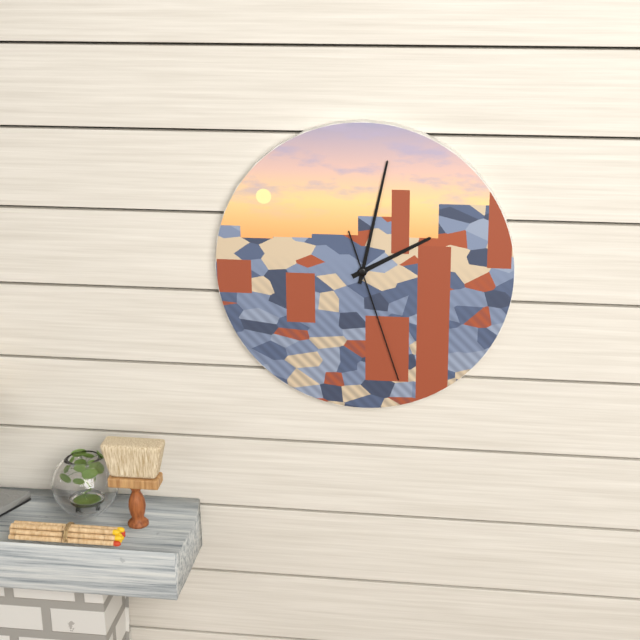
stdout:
**2:02:27**
